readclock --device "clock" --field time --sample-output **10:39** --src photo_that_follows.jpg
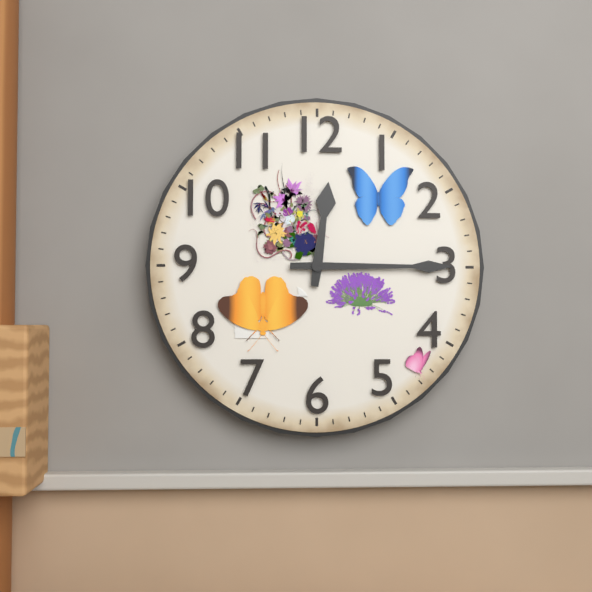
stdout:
**12:15**
